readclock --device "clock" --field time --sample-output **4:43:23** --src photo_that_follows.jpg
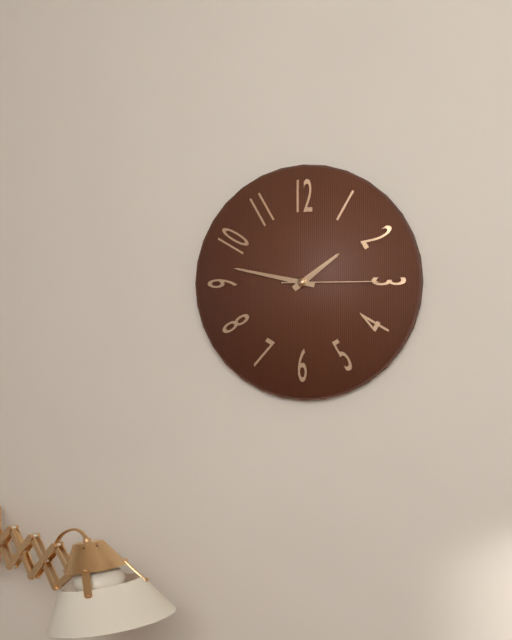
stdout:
**1:47:15**
